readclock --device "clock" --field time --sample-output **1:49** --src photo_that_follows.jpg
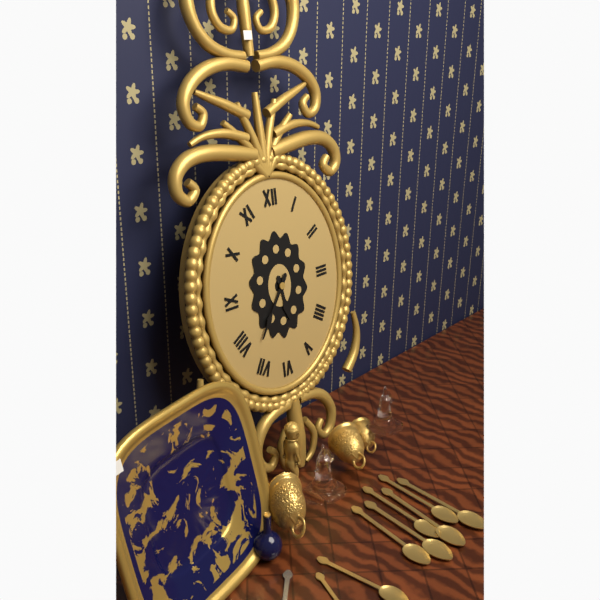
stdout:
**5:36**
